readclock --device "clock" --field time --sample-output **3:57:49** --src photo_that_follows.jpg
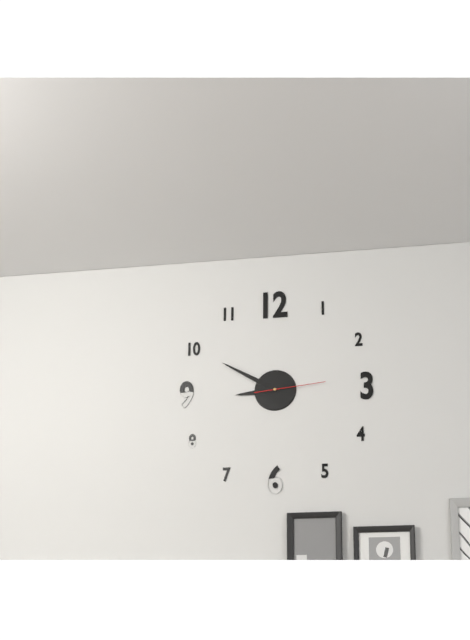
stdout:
**8:50:14**
